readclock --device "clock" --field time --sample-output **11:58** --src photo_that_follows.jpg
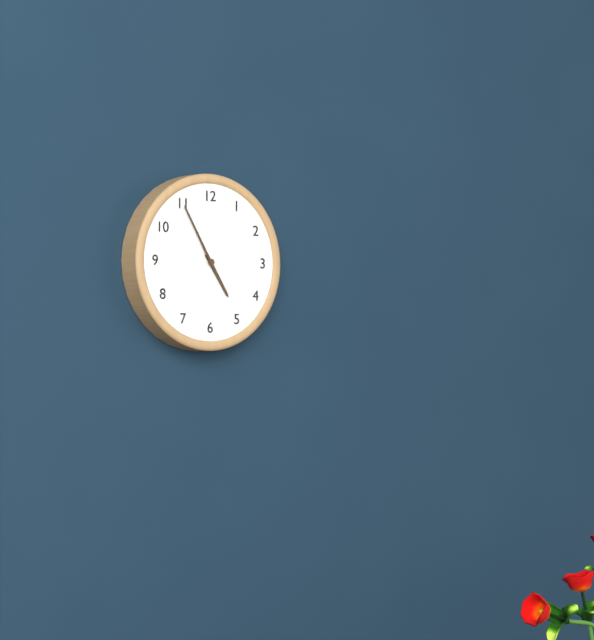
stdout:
**4:55**
